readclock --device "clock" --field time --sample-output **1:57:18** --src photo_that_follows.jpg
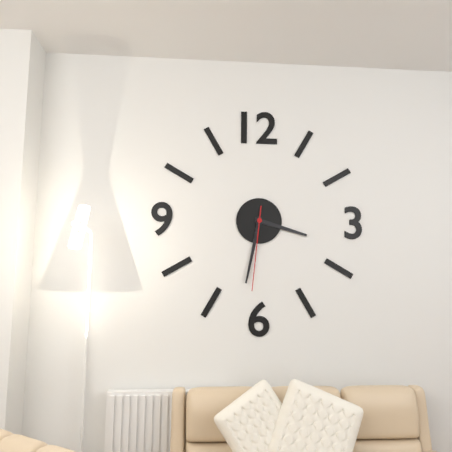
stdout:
**3:32:31**
